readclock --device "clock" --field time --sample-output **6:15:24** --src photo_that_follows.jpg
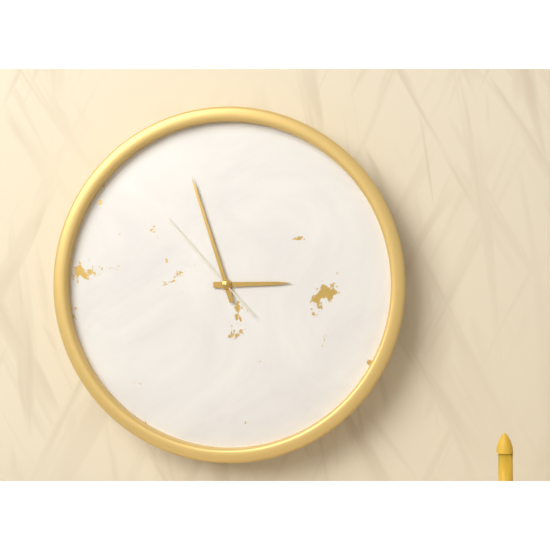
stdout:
**2:57:53**
